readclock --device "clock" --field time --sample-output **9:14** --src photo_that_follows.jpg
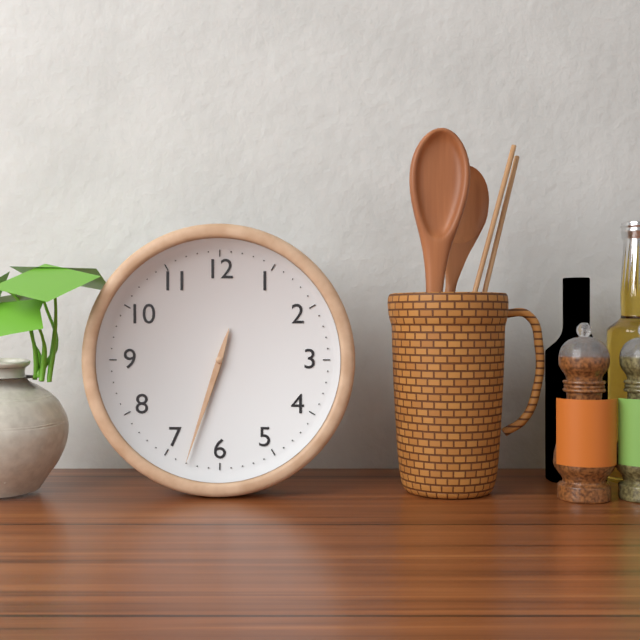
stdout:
**6:33**
